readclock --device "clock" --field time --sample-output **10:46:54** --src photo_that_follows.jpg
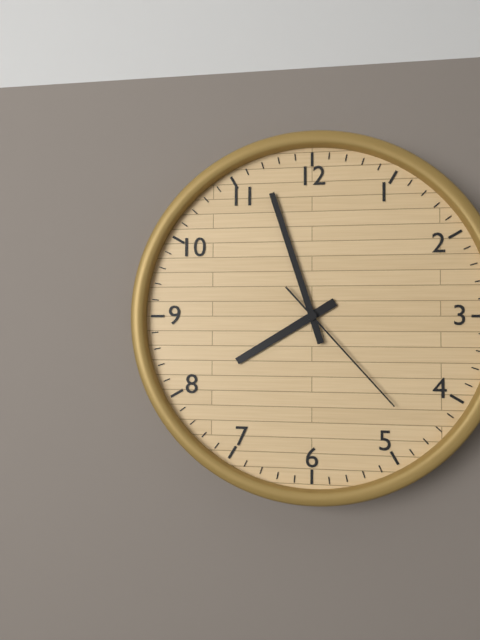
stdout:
**7:57:23**
